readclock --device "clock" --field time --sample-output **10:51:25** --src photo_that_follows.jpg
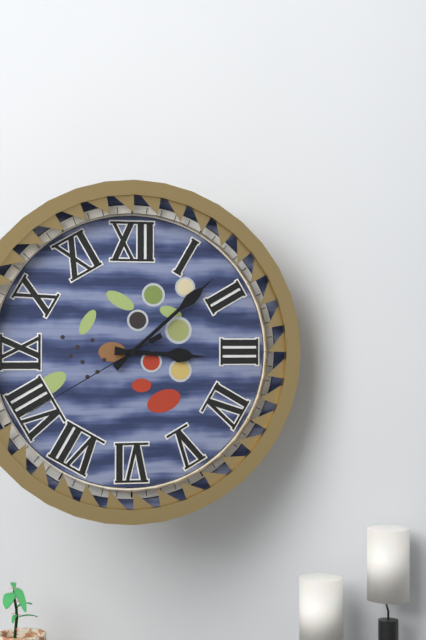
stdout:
**3:08:40**
